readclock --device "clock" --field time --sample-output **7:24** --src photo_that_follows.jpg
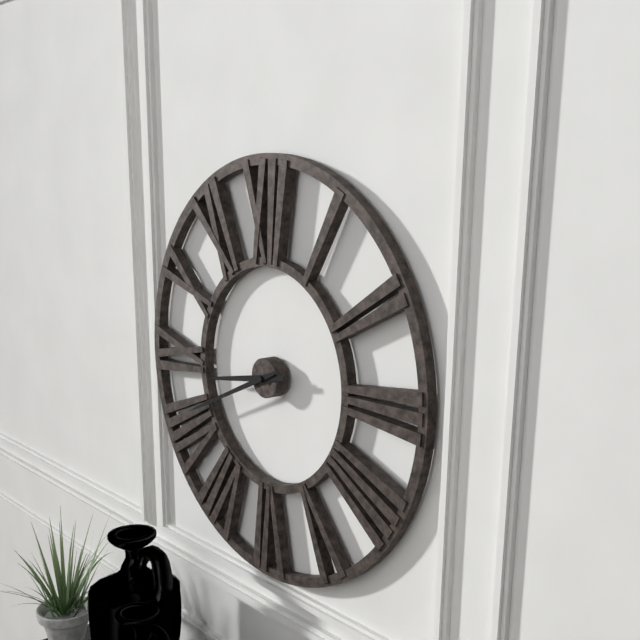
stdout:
**8:41**
